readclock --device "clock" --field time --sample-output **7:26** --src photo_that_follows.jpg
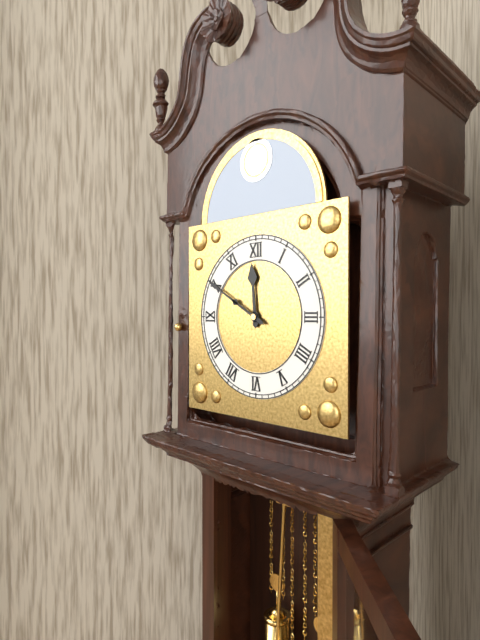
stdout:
**11:50**
